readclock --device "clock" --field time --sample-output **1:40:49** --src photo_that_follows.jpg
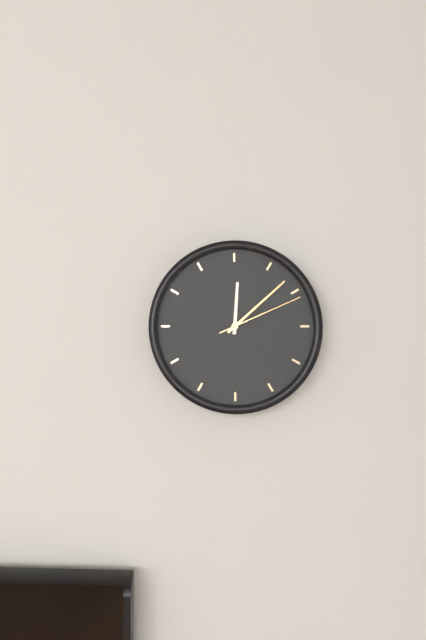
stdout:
**12:08:11**
